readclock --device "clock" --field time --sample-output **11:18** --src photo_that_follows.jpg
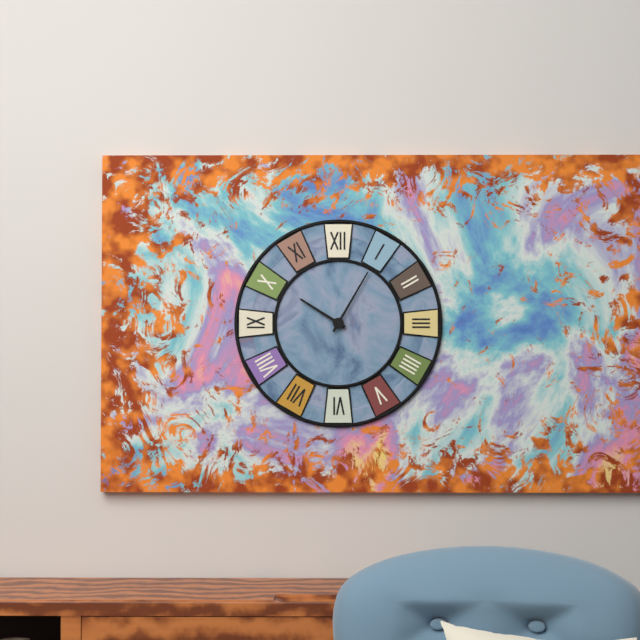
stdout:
**10:05**
